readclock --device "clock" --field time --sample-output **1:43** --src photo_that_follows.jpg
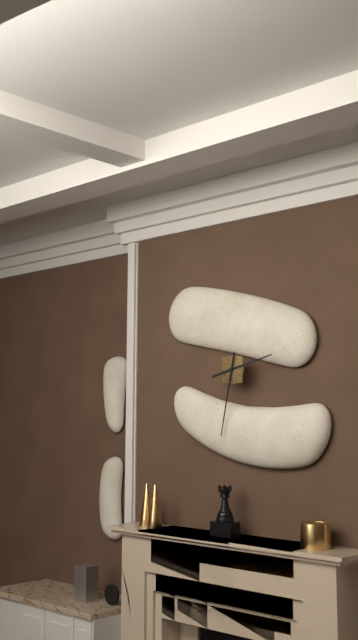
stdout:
**2:32**
